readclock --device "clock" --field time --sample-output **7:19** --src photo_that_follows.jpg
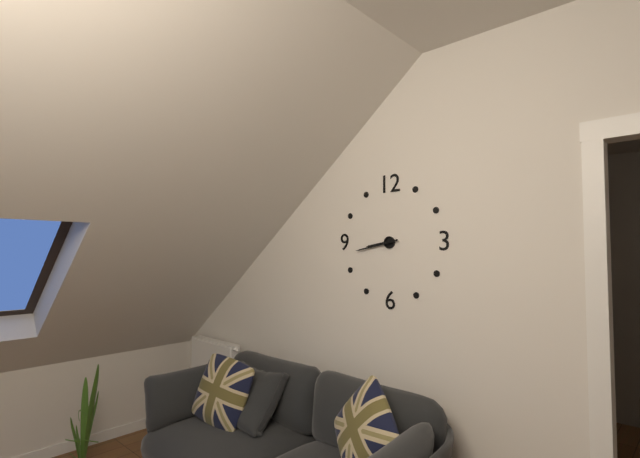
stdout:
**8:43**
